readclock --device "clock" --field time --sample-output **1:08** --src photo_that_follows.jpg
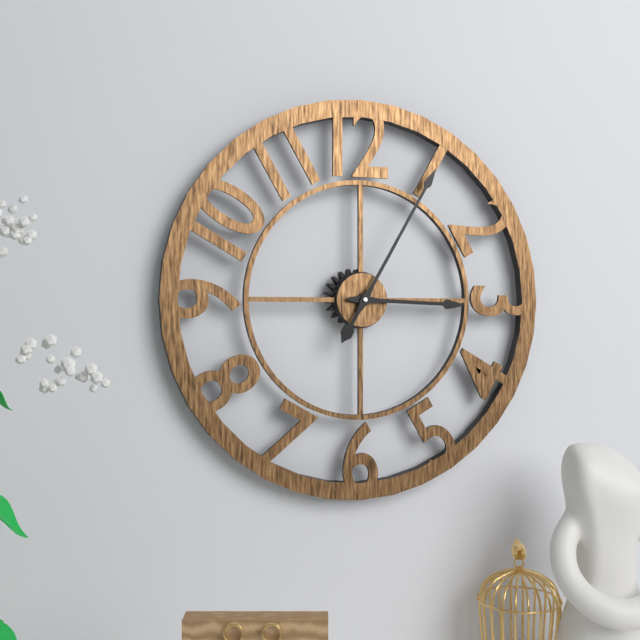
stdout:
**3:05**
